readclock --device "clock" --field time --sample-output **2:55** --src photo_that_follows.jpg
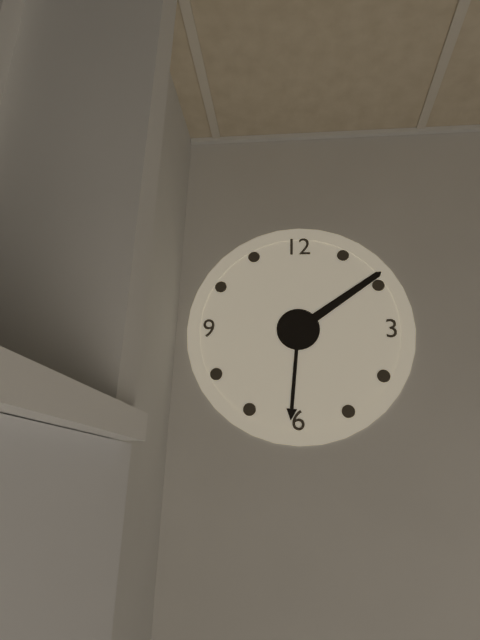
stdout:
**6:09**
